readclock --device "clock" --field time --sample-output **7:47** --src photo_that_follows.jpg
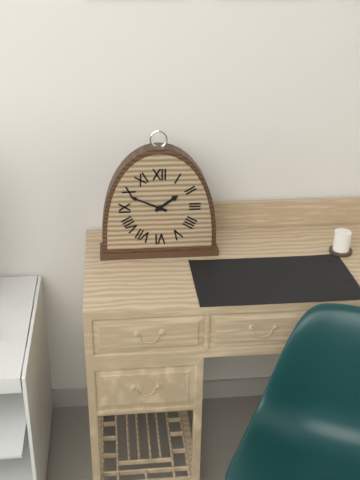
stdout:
**1:49**
